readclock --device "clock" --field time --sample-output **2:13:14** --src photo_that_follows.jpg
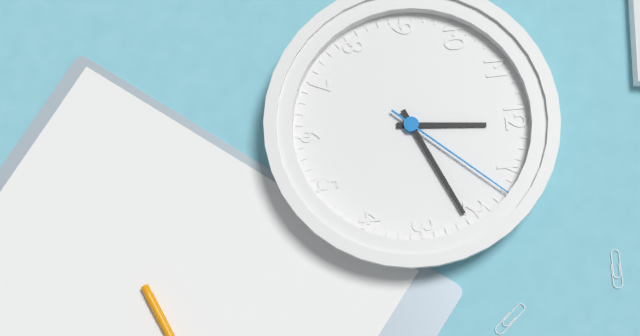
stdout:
**12:11:07**
